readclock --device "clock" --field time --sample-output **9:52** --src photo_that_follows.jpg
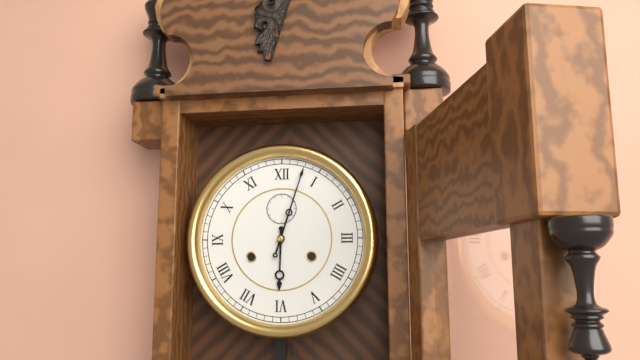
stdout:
**6:03**
